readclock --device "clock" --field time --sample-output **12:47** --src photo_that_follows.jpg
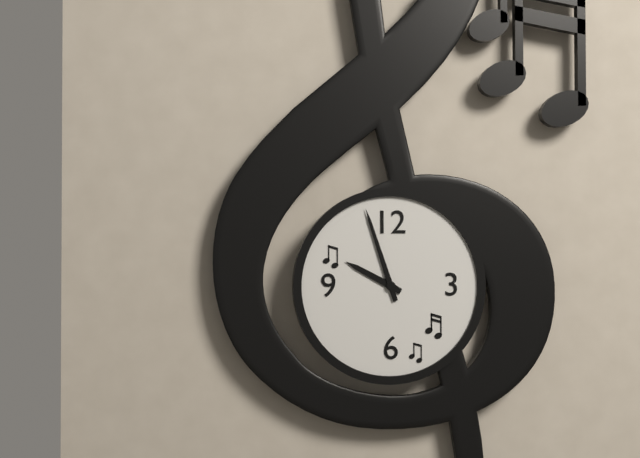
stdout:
**9:57**
